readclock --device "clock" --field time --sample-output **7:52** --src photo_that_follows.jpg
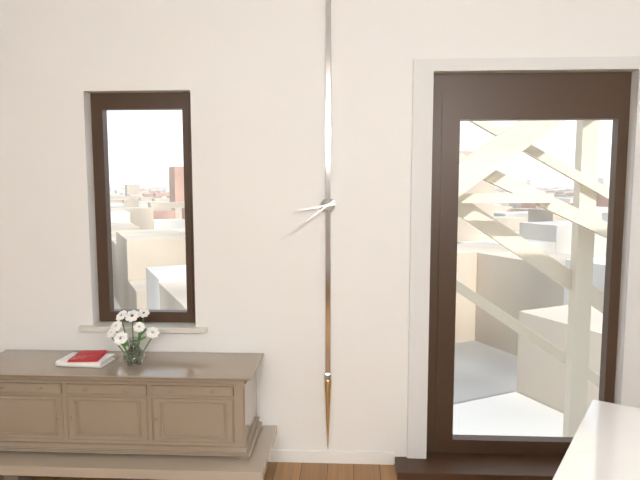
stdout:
**8:39**
